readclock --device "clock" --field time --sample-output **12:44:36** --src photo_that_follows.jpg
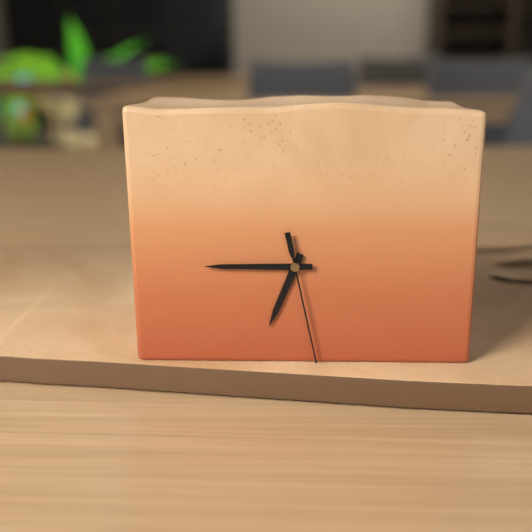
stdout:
**6:45:28**
